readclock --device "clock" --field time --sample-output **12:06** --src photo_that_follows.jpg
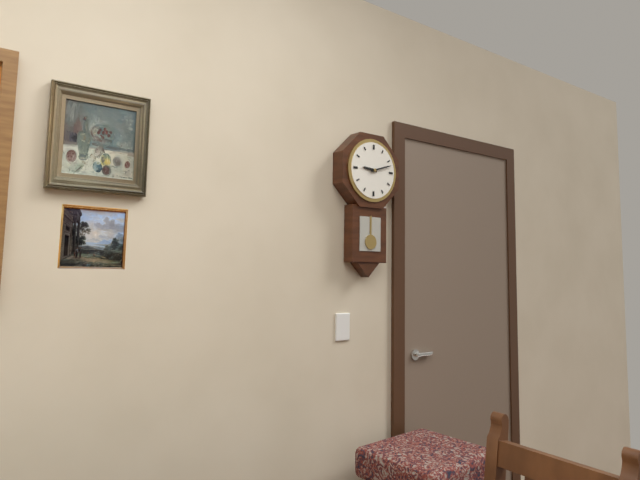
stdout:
**9:12**
